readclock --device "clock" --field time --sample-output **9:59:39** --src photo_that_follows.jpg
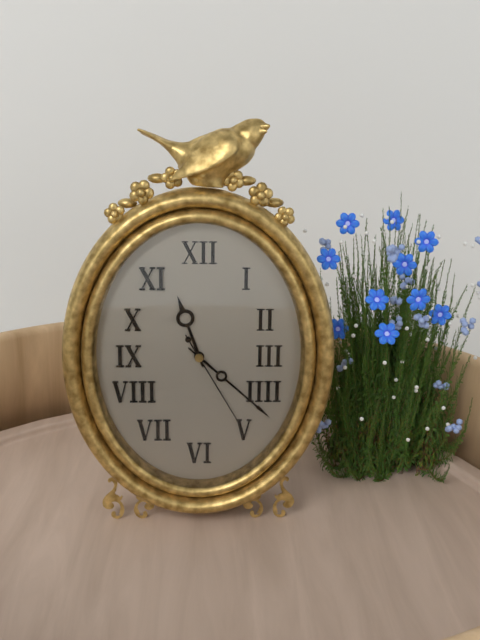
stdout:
**11:22:25**
